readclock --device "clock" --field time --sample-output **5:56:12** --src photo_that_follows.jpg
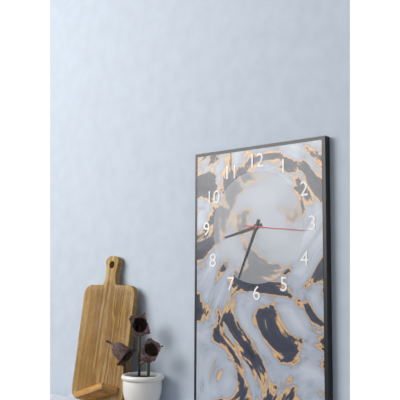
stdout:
**8:34:16**
